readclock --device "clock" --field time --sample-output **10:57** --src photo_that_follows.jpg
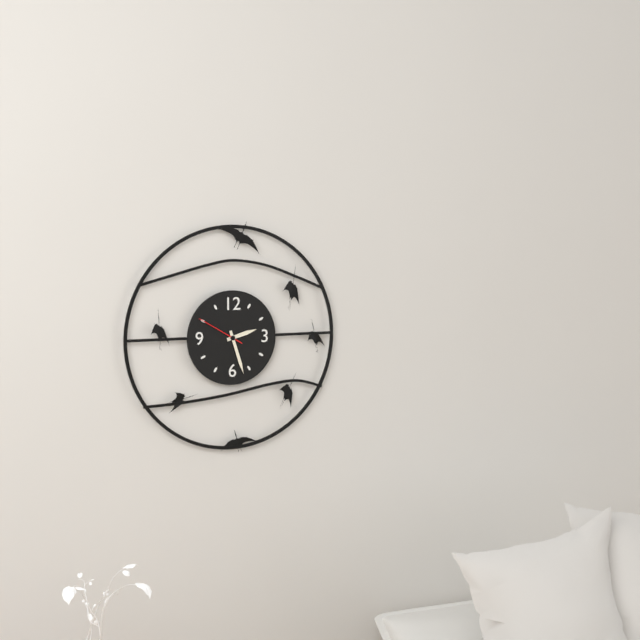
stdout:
**2:27**
